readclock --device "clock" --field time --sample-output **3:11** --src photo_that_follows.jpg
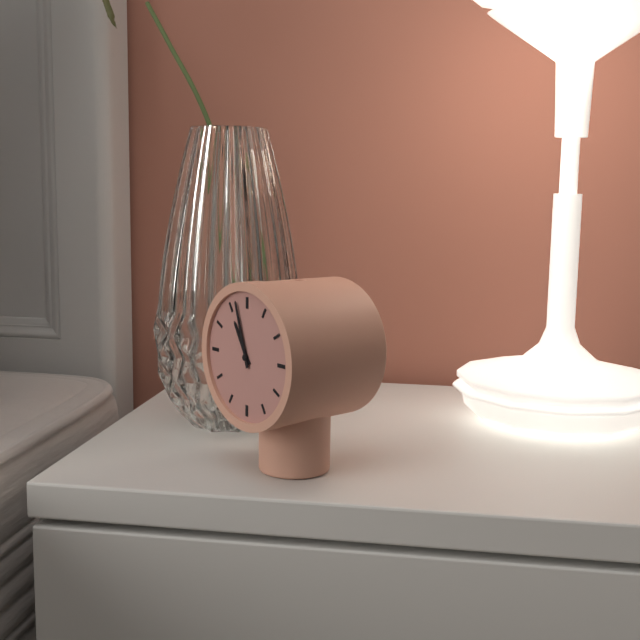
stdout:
**10:57**
